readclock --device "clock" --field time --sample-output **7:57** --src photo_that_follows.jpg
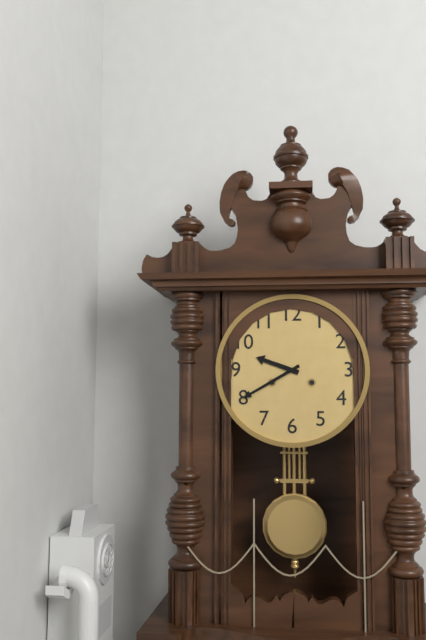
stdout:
**9:40**
